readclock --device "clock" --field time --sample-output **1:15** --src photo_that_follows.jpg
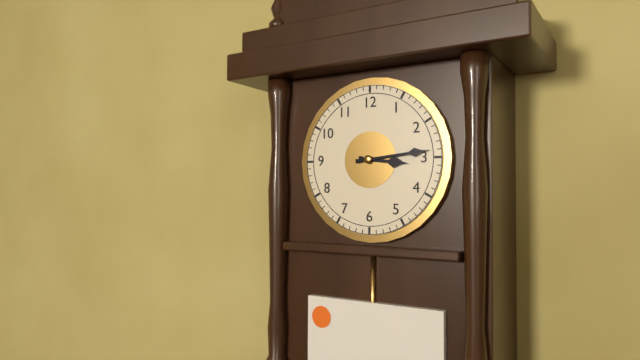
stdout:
**3:14**
